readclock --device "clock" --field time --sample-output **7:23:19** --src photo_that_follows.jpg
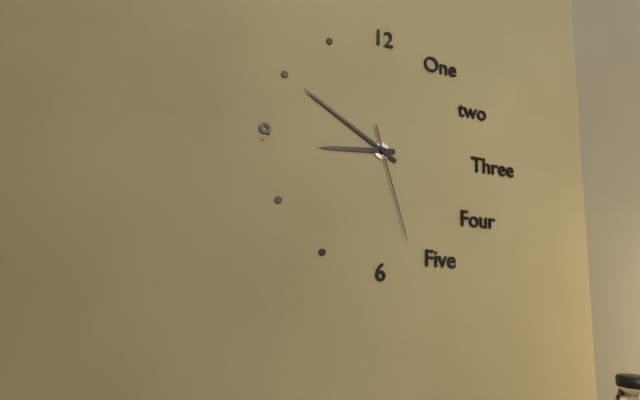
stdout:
**8:50:27**
